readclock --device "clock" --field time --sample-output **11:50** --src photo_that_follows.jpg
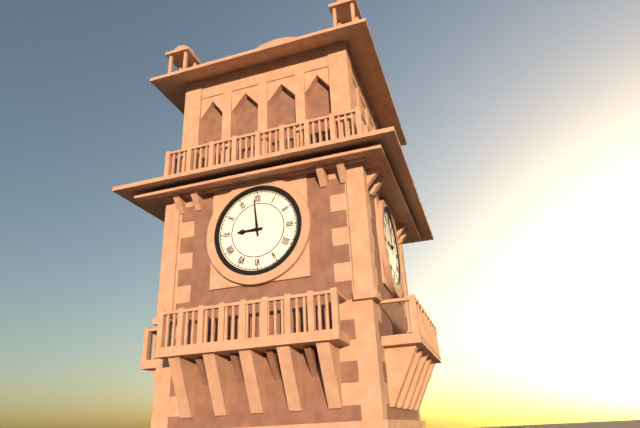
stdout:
**8:59**
